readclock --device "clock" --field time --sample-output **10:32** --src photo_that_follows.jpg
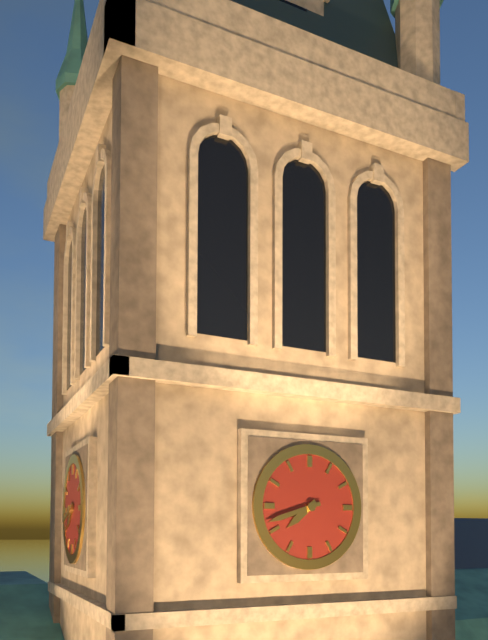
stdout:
**7:42**
